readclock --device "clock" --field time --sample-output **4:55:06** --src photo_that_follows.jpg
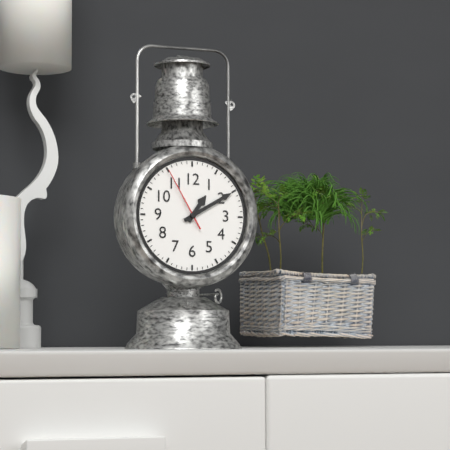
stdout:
**1:10:55**
